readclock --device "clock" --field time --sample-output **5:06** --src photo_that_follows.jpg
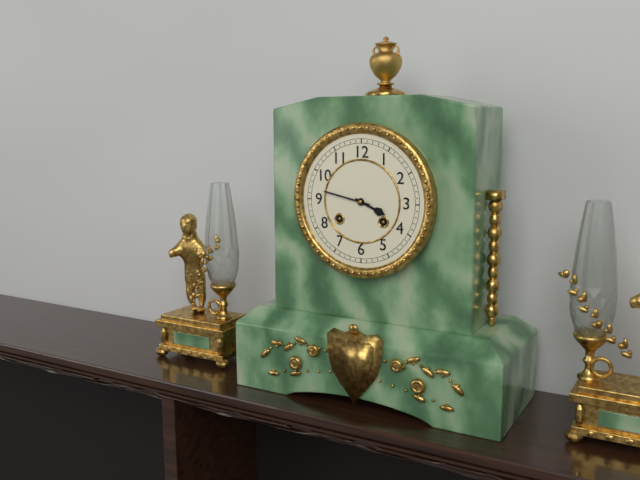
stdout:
**3:47**
